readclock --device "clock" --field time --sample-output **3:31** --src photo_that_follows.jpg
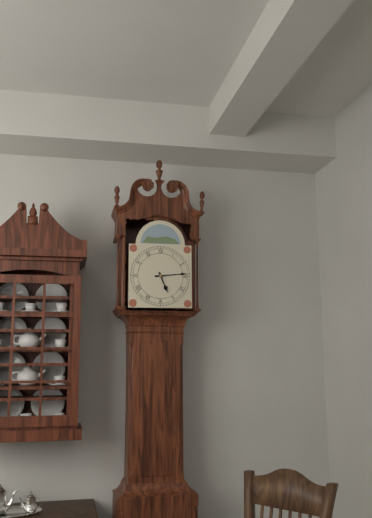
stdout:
**5:14**
